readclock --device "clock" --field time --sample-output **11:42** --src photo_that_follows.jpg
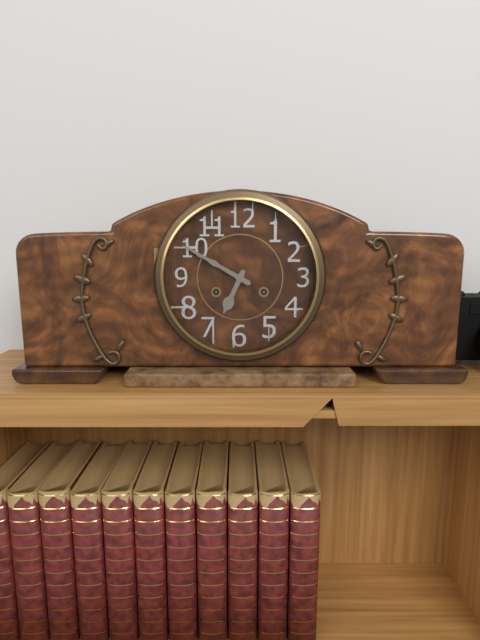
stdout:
**6:50**
